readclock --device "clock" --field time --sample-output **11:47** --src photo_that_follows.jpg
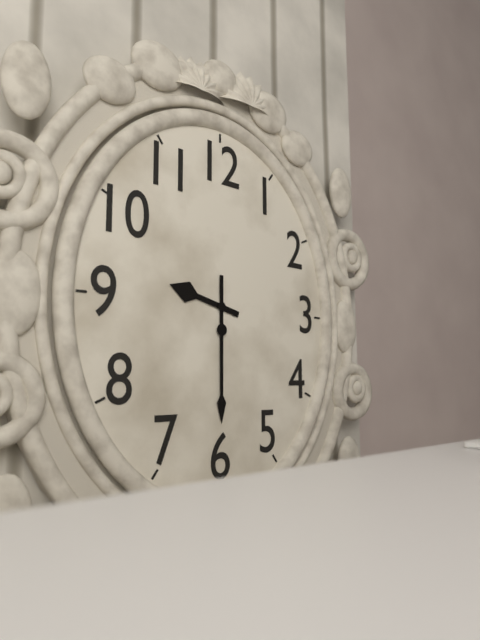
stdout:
**9:30**
